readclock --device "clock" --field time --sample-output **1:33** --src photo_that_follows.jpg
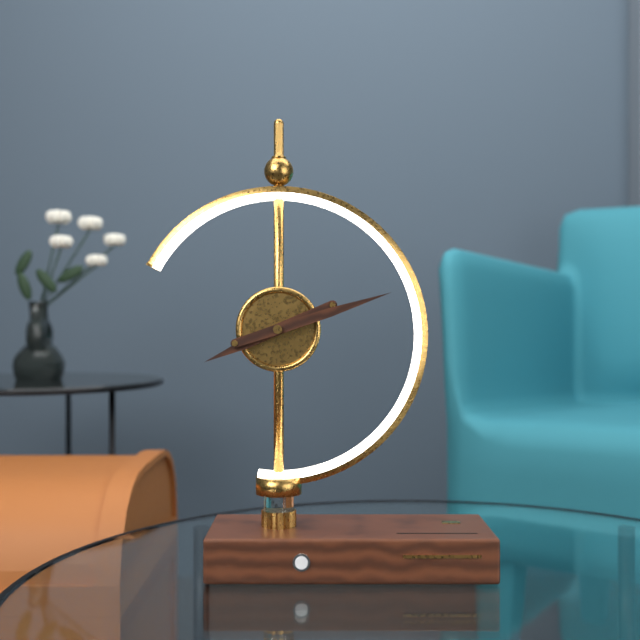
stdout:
**8:12**
